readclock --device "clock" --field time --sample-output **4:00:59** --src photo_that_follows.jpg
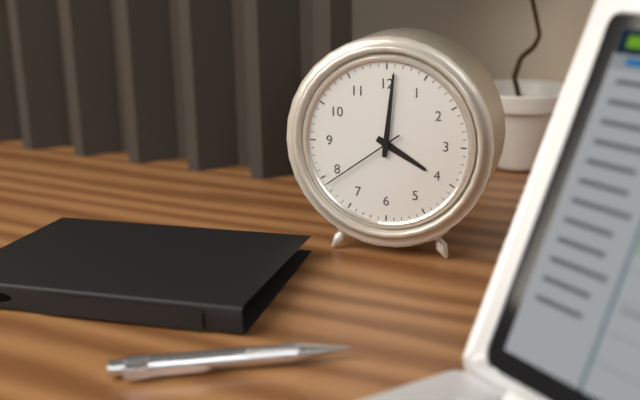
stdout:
**4:01:39**
